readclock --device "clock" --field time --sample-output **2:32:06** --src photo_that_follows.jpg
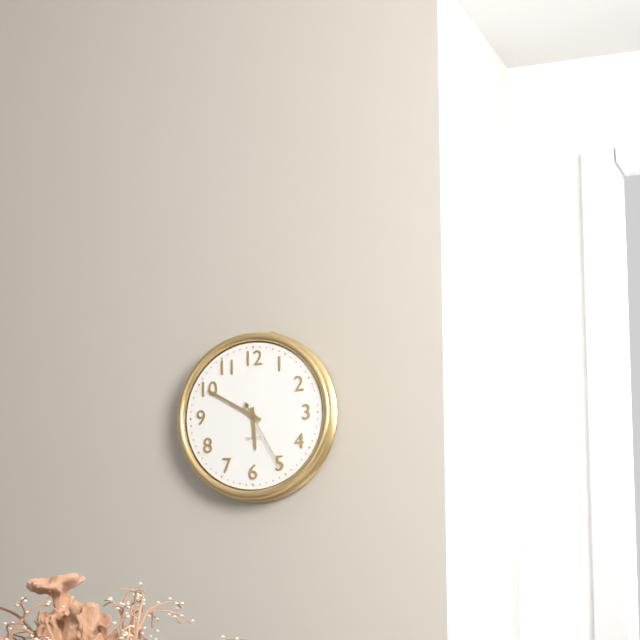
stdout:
**5:50:25**
